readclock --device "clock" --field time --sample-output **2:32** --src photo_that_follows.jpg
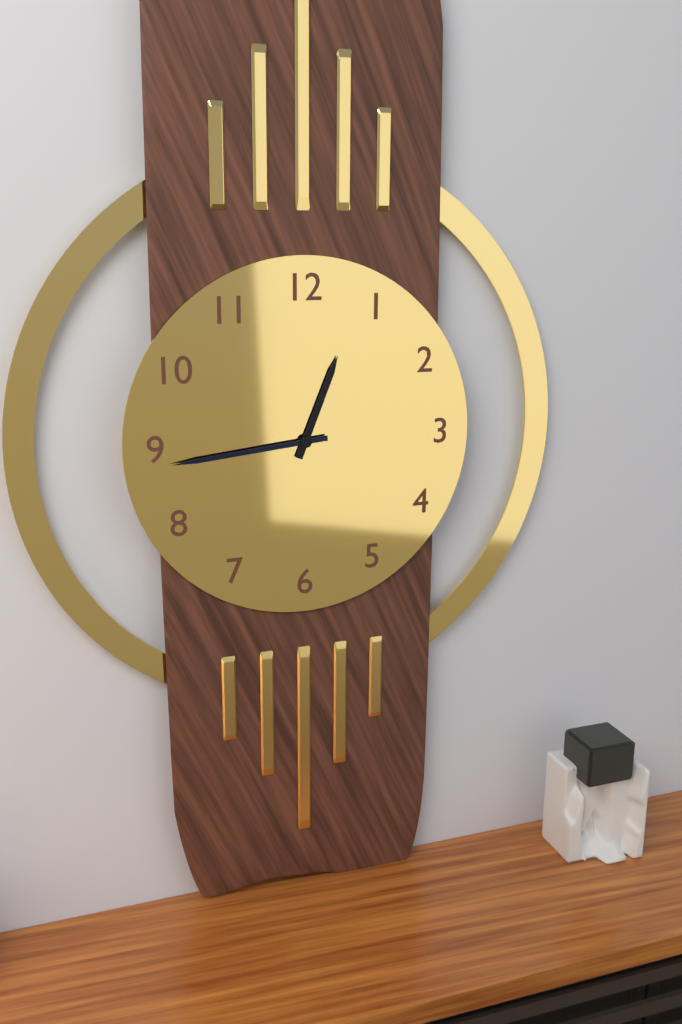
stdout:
**12:44**
